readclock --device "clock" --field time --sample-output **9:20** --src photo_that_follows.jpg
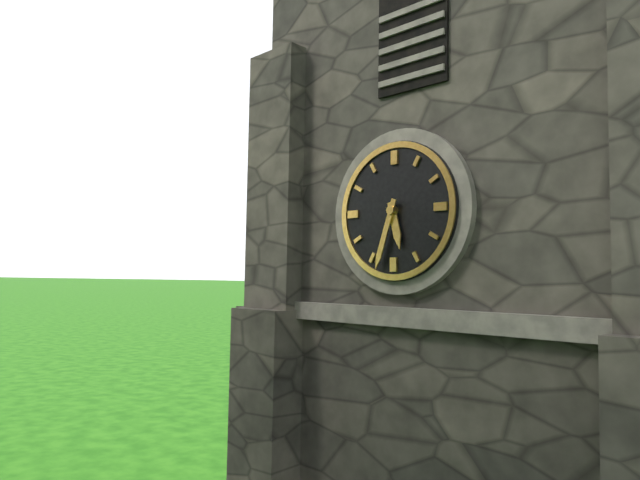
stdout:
**5:33**
